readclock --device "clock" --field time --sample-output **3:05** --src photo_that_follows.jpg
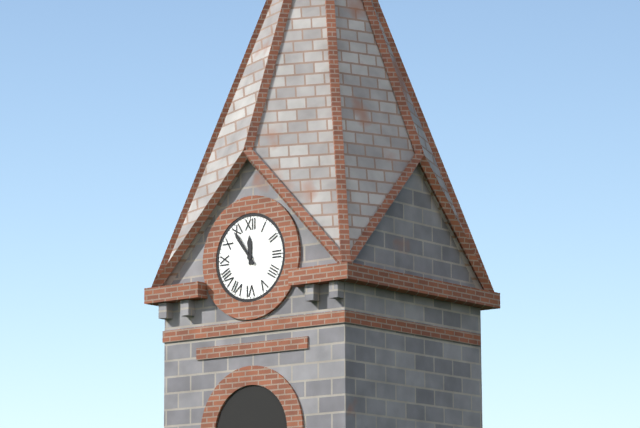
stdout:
**11:54**
